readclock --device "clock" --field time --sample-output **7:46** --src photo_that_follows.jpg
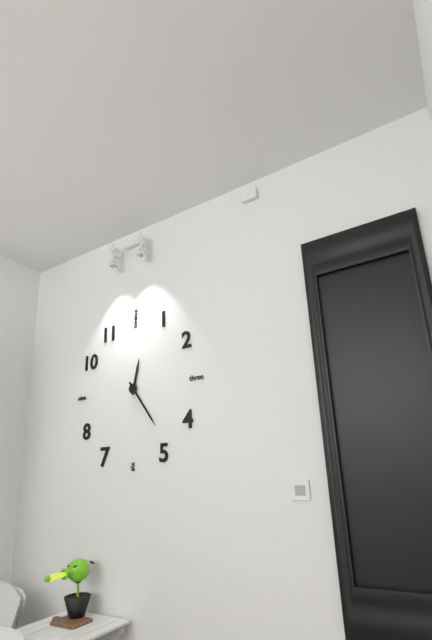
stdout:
**12:24**
